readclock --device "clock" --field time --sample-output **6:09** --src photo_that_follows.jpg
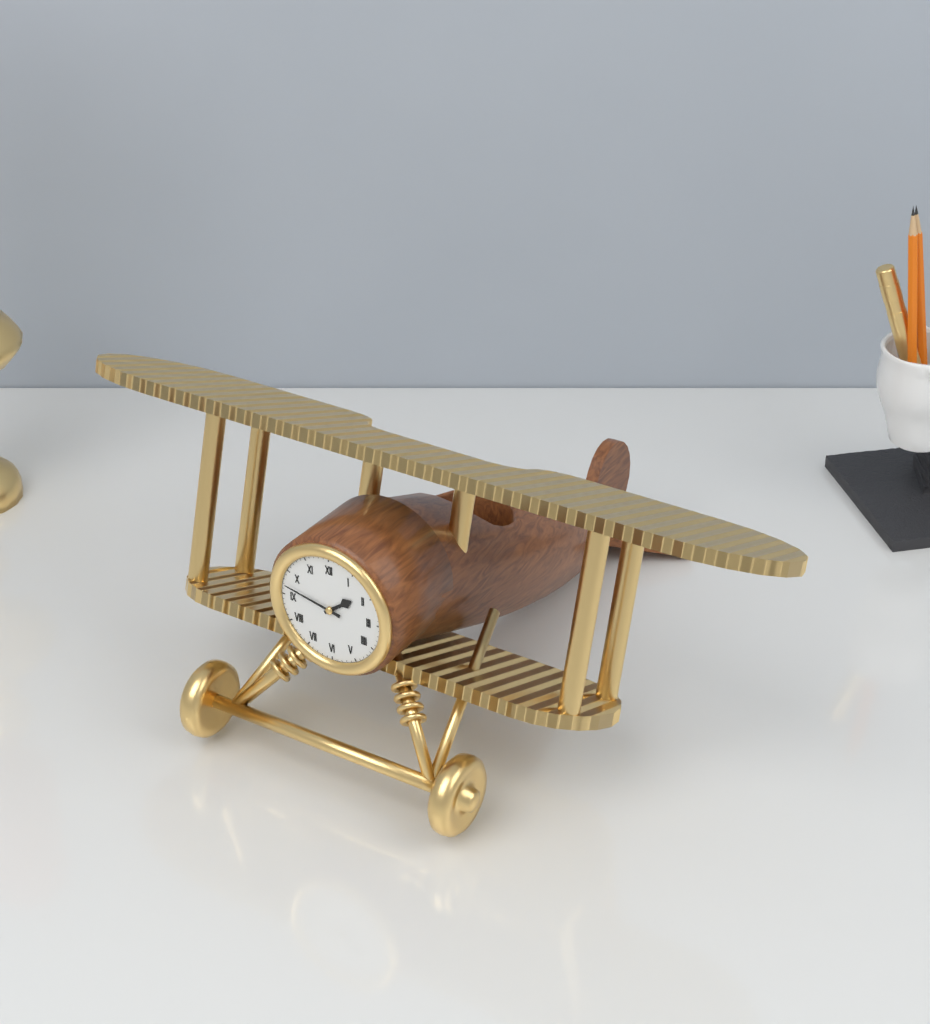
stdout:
**1:47**
